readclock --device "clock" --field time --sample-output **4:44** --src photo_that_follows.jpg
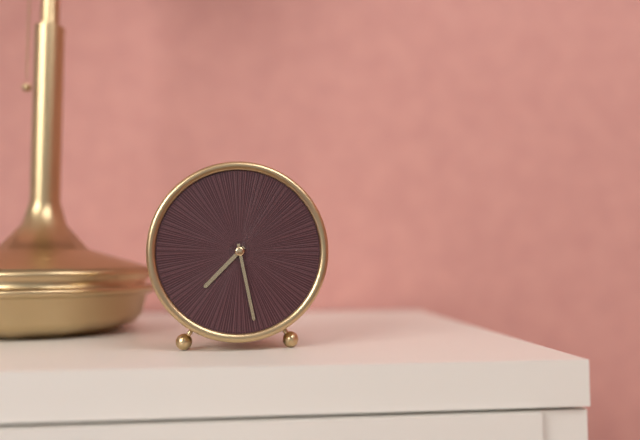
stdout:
**7:28**
